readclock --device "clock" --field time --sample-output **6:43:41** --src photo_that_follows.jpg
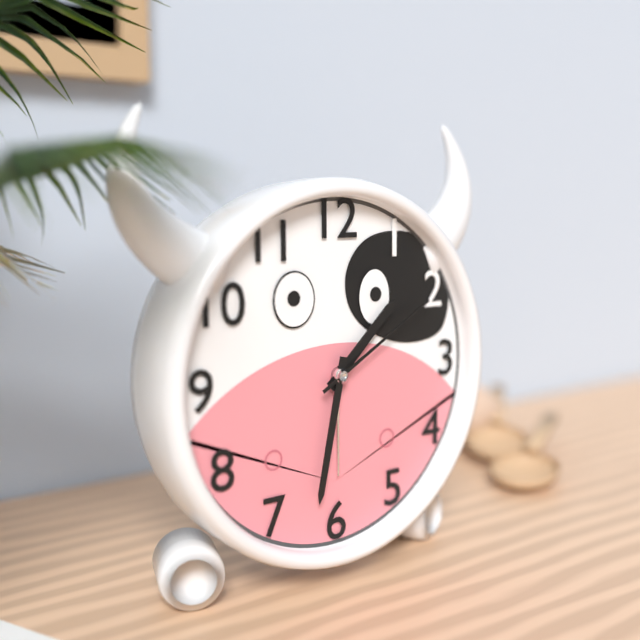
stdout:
**1:32:10**
